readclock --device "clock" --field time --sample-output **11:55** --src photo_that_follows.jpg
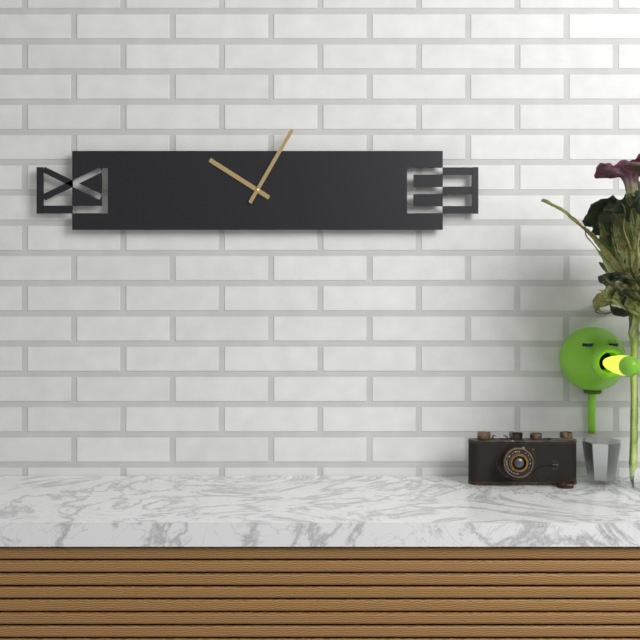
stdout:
**10:05**
